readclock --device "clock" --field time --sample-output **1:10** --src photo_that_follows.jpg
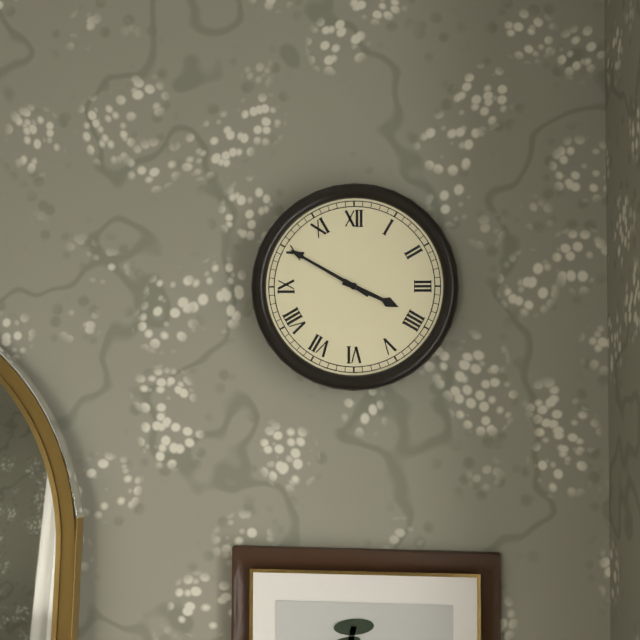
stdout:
**3:50**
